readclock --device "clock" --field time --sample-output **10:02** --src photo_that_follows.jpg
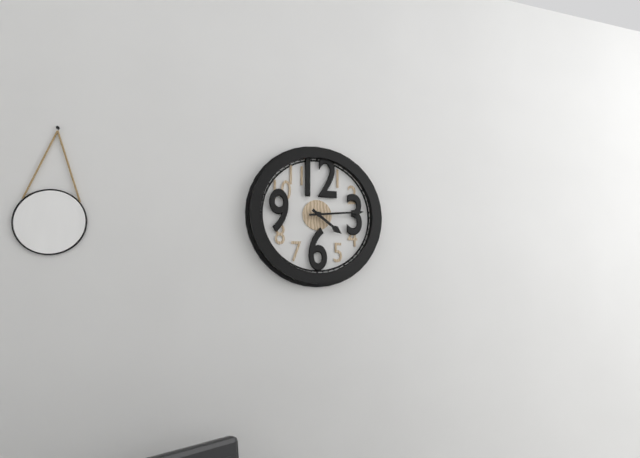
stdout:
**4:14**
